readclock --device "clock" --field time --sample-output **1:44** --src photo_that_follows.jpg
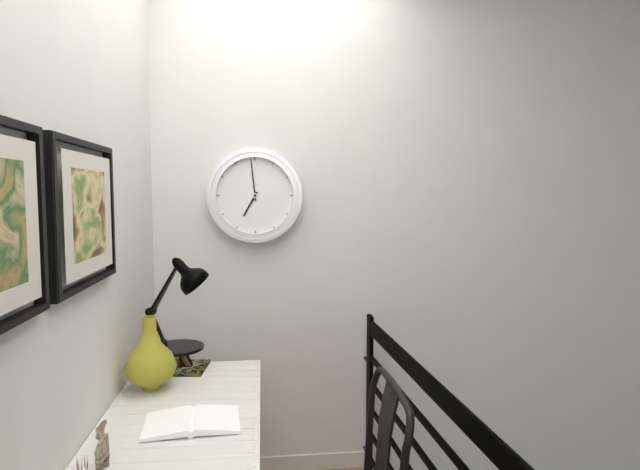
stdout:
**6:59**
